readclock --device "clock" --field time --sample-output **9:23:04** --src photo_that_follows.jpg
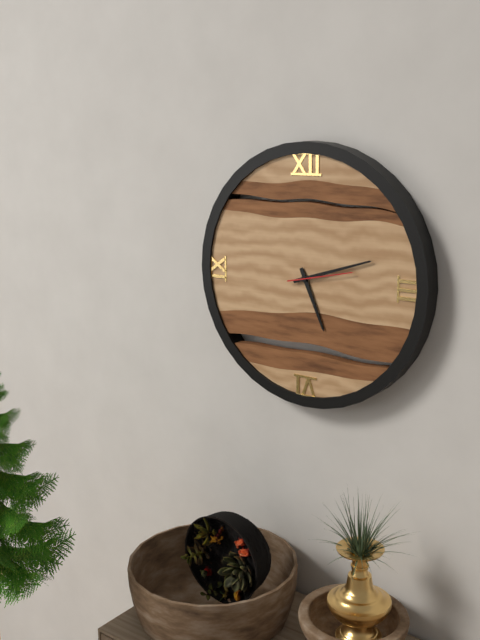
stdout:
**5:12:13**
